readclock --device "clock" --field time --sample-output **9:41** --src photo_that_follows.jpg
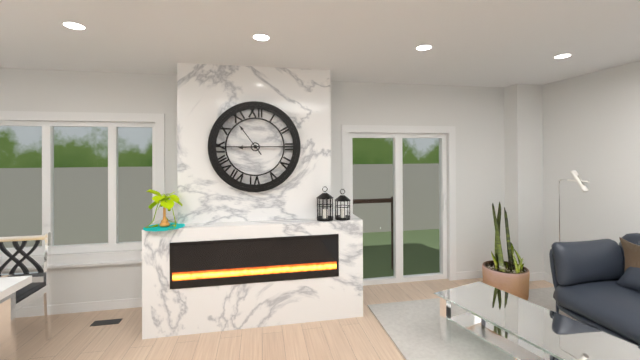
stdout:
**8:54**
